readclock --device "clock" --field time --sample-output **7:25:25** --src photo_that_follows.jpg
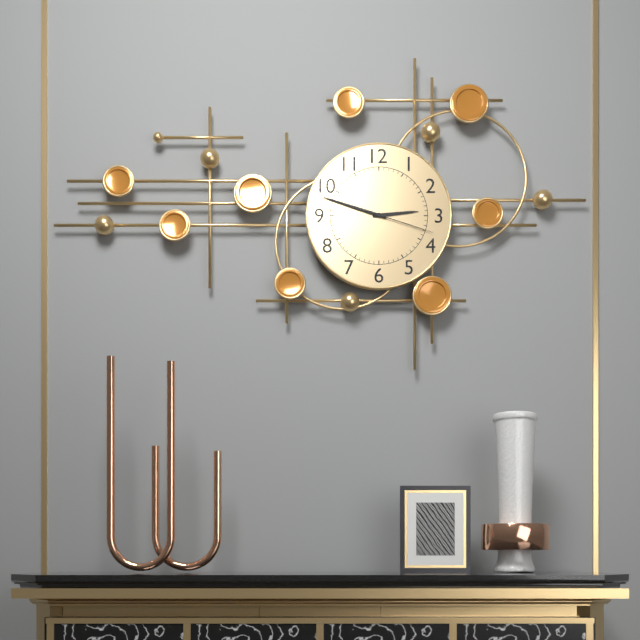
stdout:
**2:48:18**
